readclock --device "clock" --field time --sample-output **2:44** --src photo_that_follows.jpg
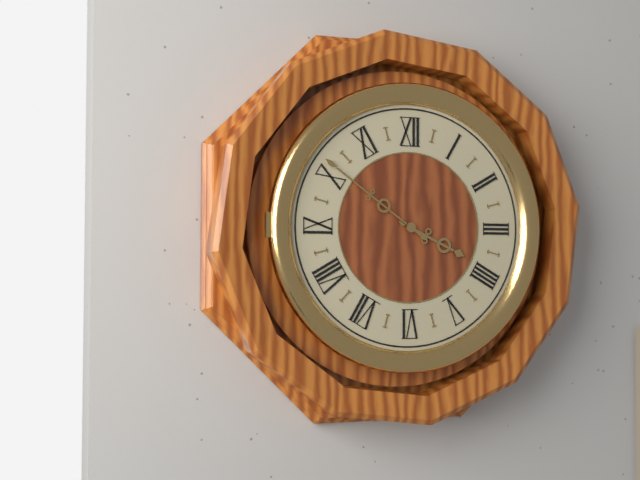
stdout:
**3:51**
